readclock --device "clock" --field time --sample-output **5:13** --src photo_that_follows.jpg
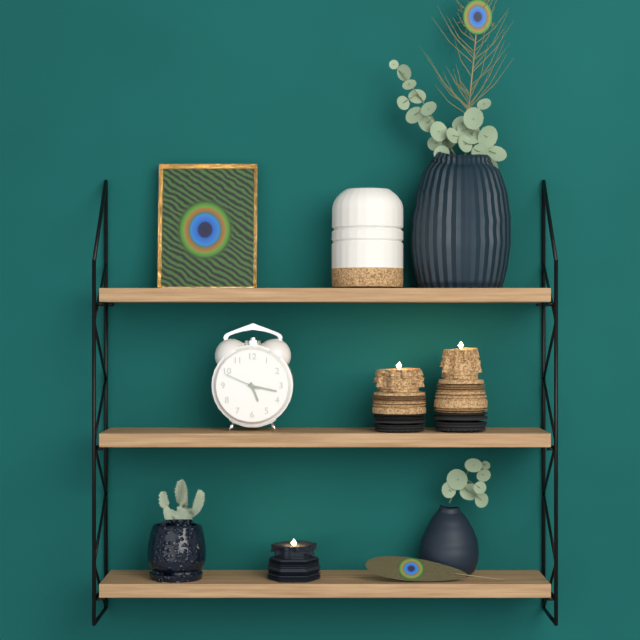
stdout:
**5:17**
